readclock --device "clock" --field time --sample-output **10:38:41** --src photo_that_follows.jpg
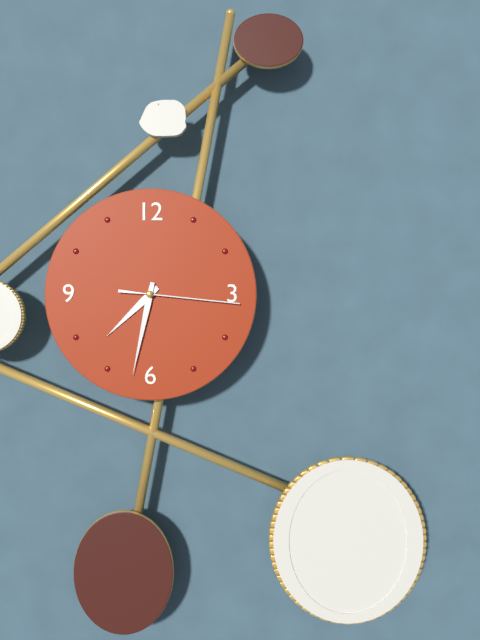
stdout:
**7:32:16**
